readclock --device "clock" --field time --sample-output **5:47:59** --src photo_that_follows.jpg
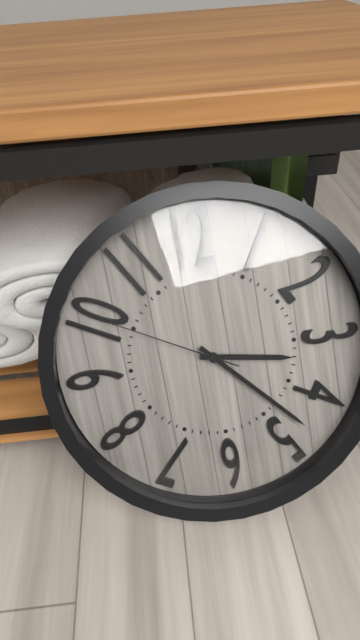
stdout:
**3:23:50**
